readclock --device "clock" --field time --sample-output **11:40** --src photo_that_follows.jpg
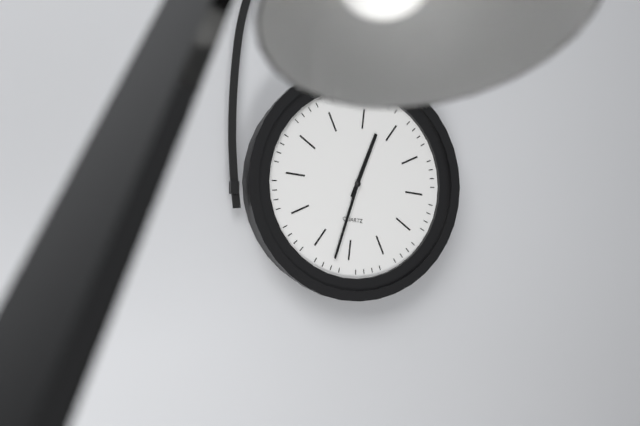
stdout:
**12:32**
